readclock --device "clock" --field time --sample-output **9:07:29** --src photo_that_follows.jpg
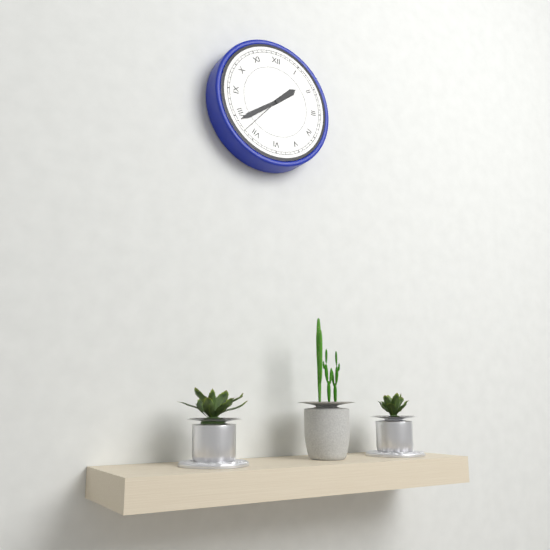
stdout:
**1:39:37**
